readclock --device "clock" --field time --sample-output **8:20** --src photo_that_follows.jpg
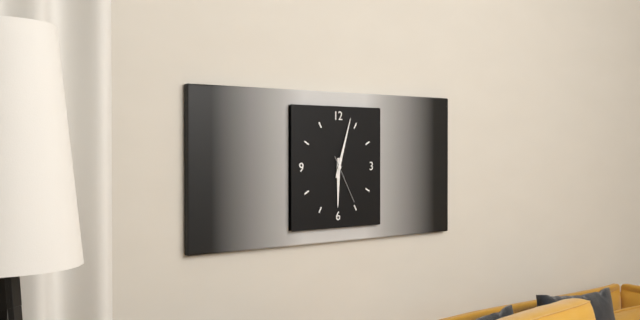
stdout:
**6:03**
